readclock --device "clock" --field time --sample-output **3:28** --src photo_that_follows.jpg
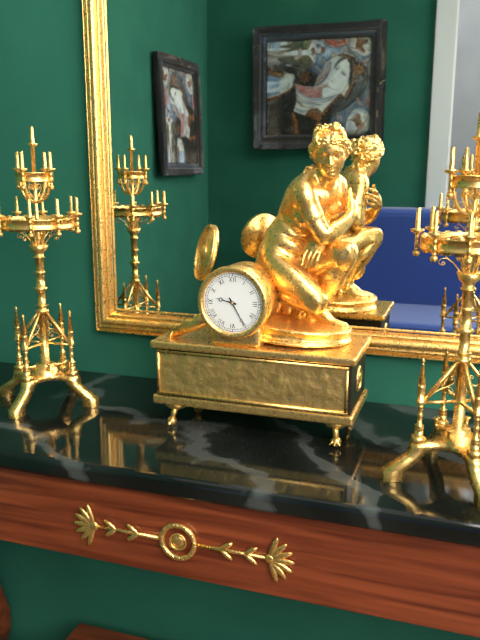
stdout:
**9:25**
